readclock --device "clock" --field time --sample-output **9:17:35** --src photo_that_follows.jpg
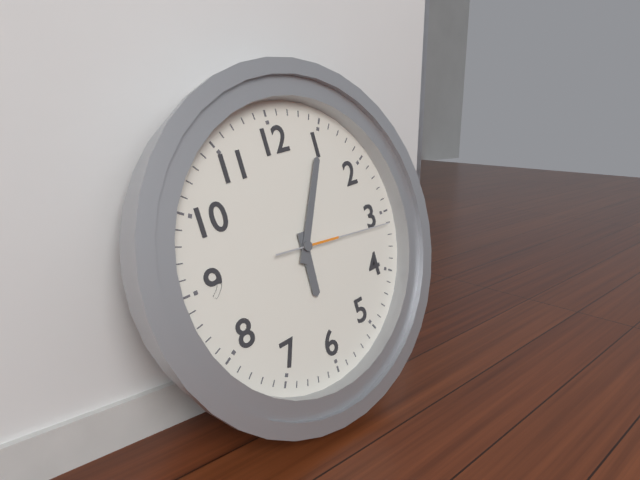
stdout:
**6:05:16**
